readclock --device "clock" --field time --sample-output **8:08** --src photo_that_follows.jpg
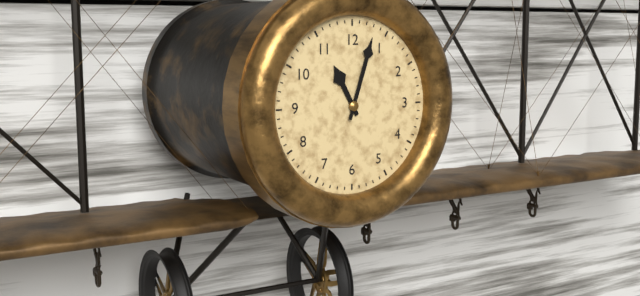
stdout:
**11:03**
